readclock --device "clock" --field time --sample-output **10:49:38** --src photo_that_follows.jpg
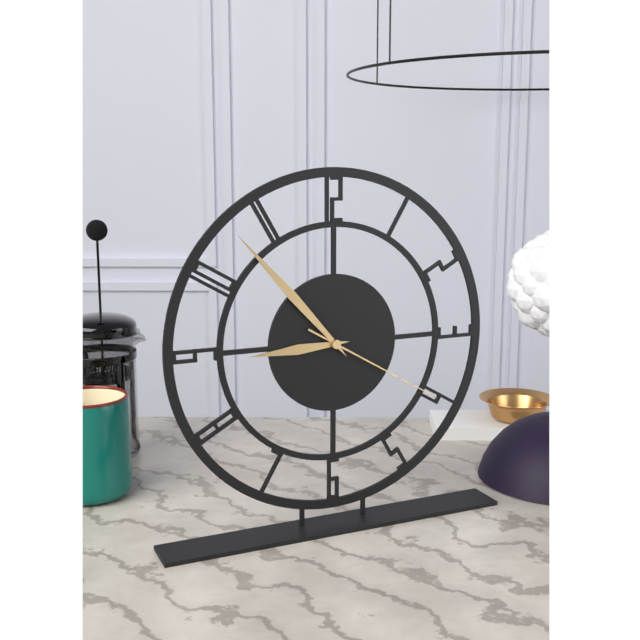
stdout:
**8:53:20**
